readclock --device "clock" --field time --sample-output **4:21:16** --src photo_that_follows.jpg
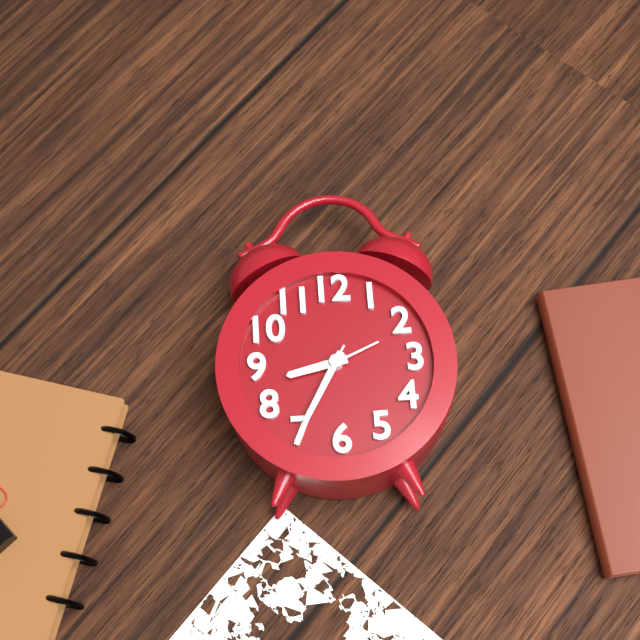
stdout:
**8:35:35**
